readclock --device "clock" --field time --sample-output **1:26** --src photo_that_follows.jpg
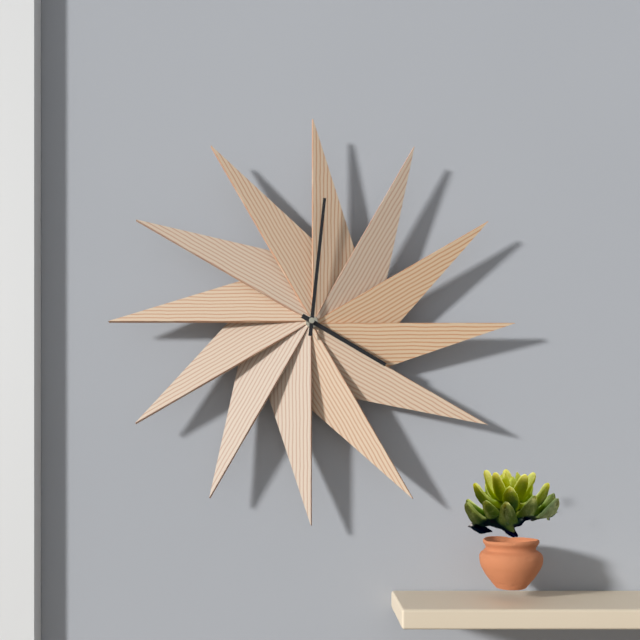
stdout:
**4:01**
